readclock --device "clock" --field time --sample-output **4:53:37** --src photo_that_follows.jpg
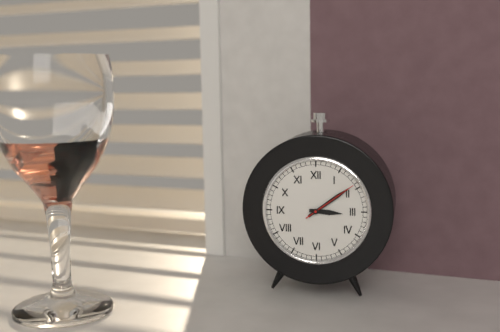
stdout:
**3:09:09**
